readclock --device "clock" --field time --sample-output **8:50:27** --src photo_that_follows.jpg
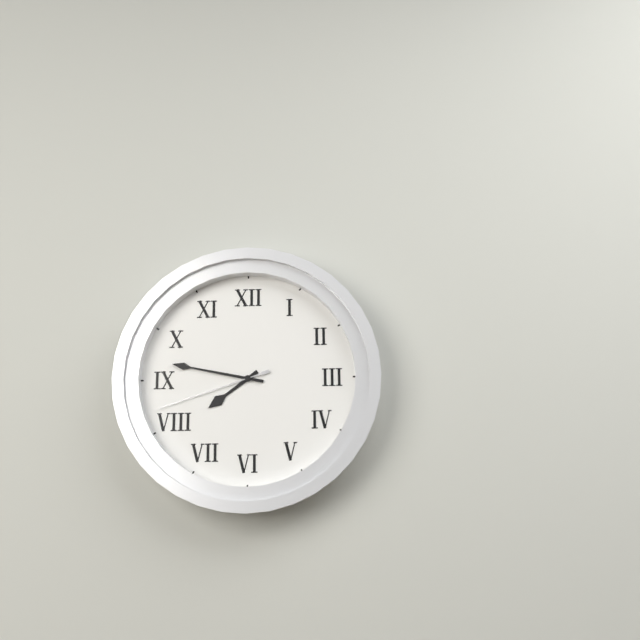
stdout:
**7:47:42**
